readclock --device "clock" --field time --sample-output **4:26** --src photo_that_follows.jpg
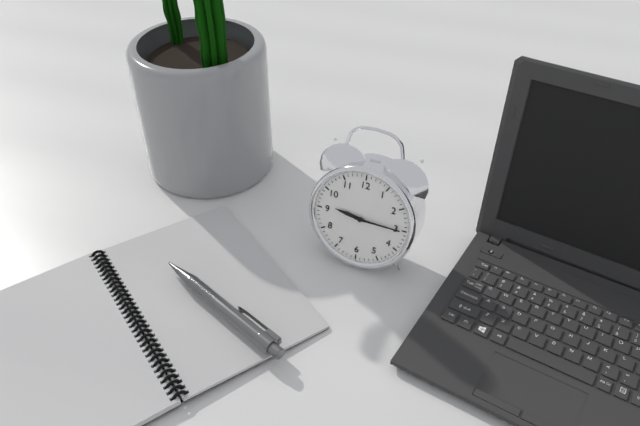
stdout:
**9:15**
